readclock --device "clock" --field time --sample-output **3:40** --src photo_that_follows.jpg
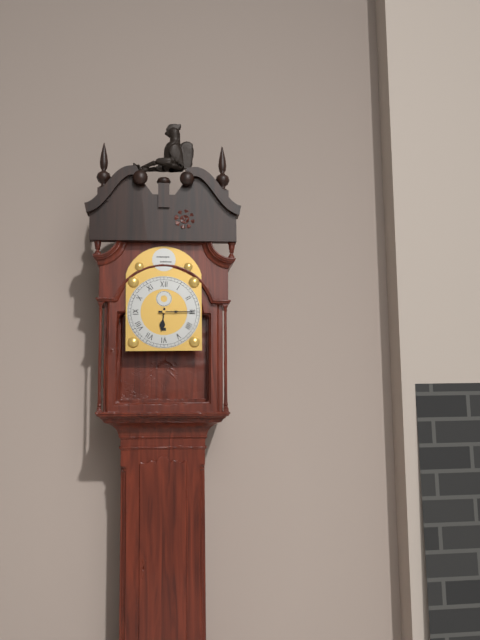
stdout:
**6:15**
